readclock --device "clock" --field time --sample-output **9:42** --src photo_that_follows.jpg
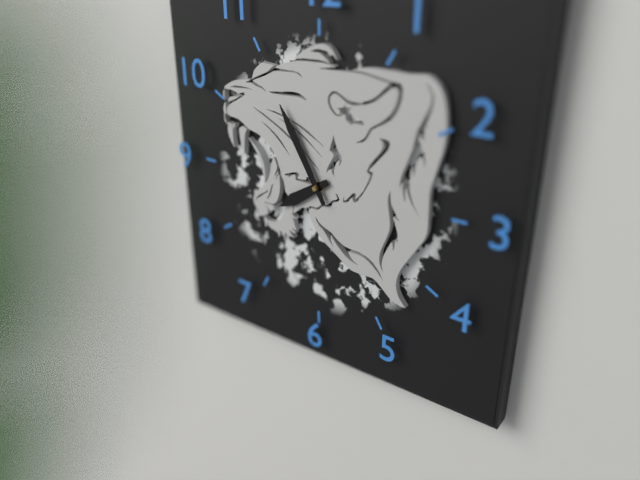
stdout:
**7:55**
